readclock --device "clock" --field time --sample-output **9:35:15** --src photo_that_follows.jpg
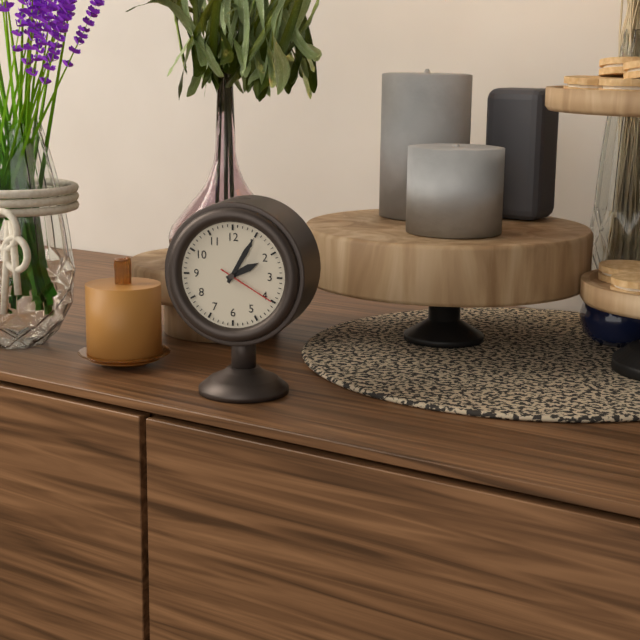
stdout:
**2:05:20**
